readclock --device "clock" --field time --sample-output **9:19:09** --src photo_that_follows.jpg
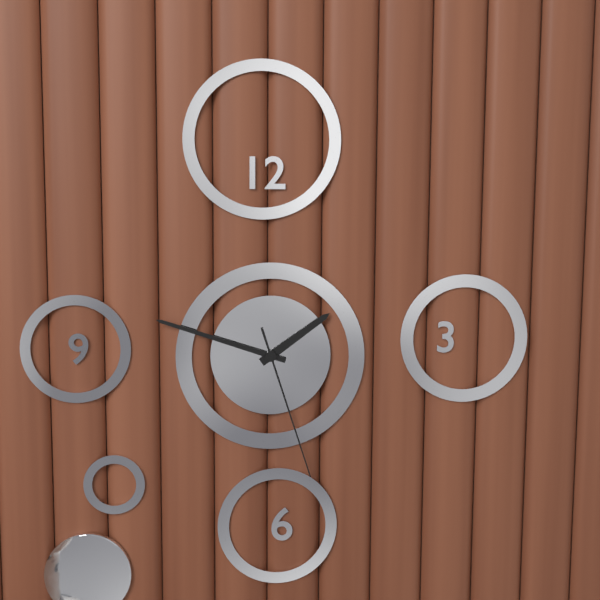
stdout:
**1:48:27**
